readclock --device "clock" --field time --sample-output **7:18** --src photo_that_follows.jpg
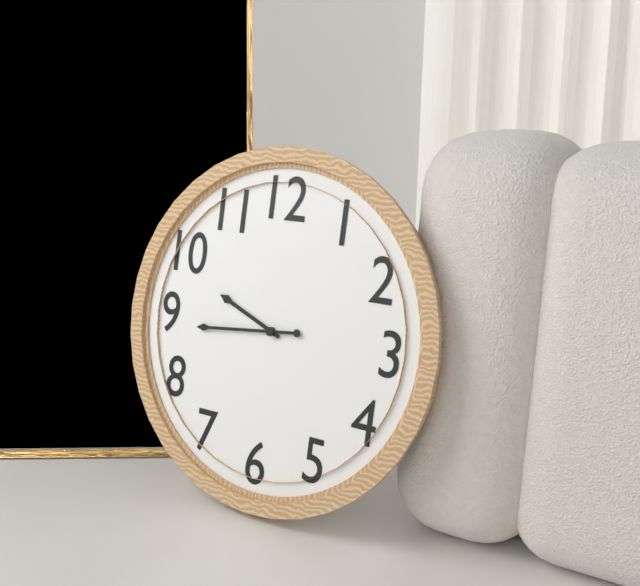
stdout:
**9:44**
